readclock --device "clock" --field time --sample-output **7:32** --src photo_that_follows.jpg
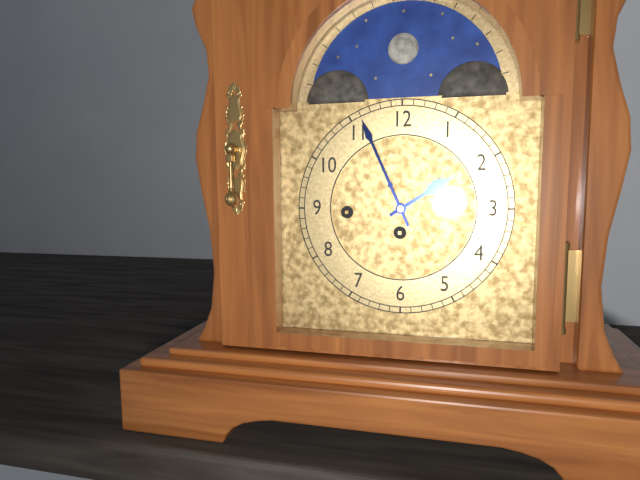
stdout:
**1:56**
